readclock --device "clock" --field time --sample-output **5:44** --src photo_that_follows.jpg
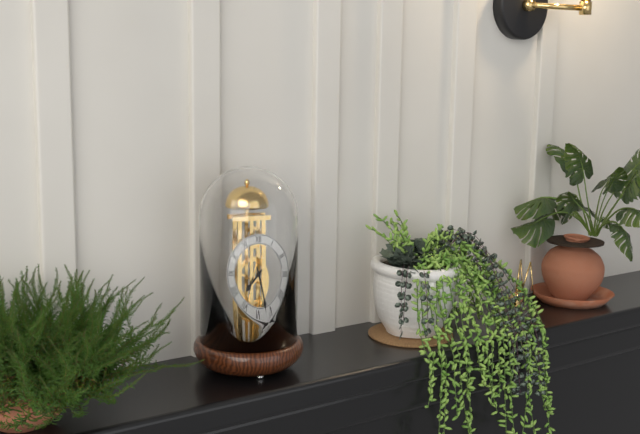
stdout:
**7:27**
